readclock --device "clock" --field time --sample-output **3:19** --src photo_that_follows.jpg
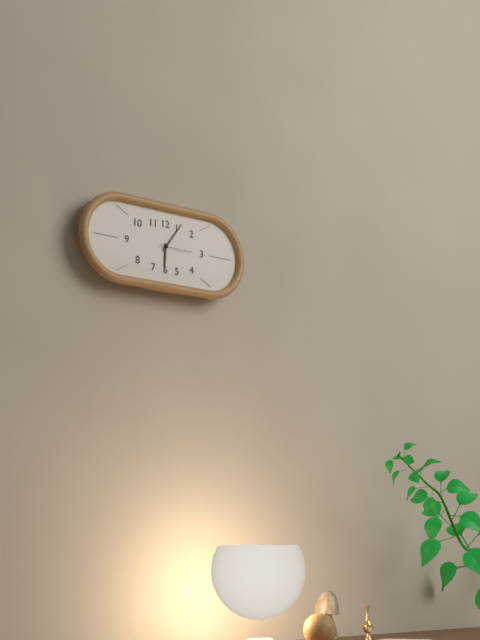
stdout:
**6:06**
